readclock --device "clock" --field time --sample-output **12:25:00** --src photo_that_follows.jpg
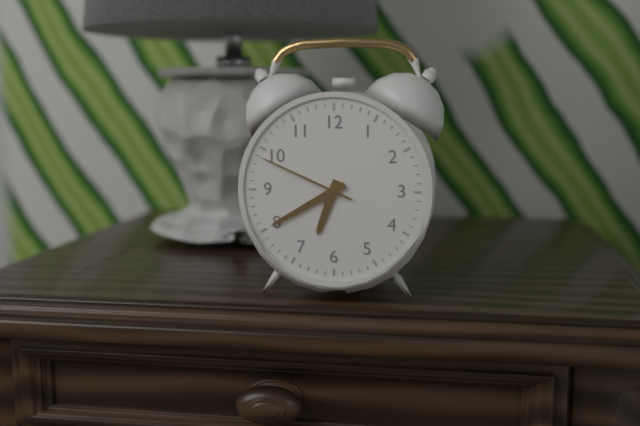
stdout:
**6:40:49**
